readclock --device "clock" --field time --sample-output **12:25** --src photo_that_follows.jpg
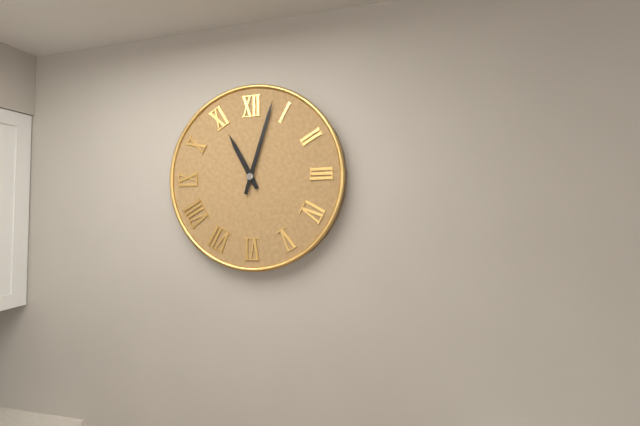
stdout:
**11:03**
